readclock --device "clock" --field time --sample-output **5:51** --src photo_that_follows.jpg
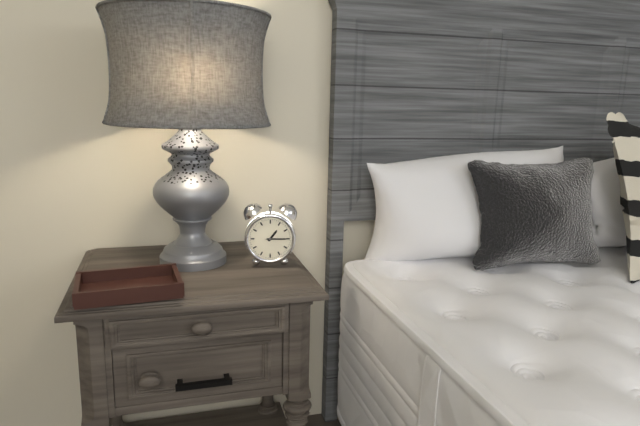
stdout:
**1:15**
